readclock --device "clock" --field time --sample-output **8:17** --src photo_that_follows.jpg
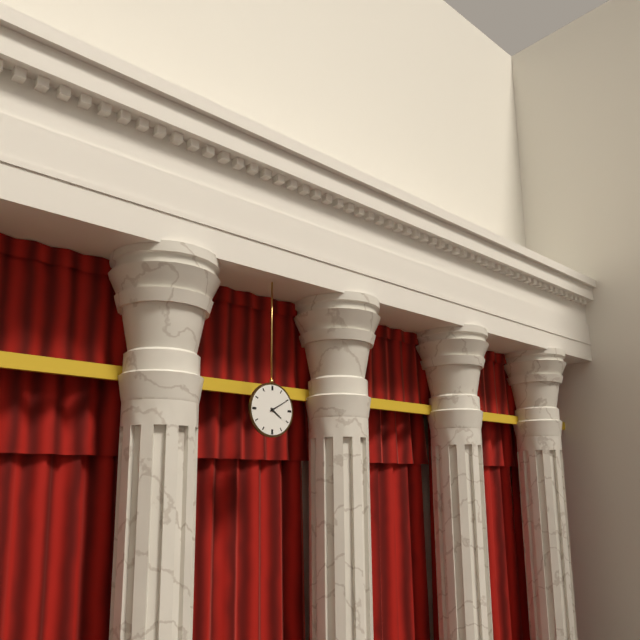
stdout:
**4:10**
